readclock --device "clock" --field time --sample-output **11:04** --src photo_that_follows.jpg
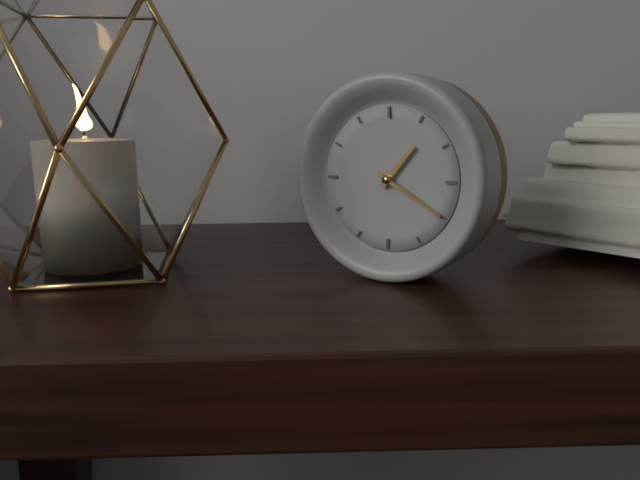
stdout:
**1:20**
